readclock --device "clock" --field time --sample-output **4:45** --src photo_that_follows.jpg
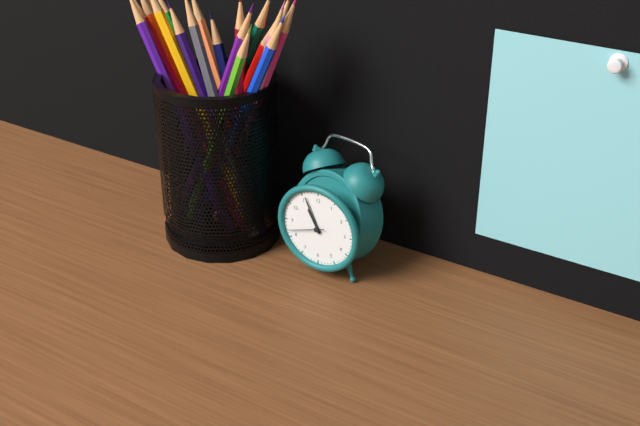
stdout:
**10:56**
